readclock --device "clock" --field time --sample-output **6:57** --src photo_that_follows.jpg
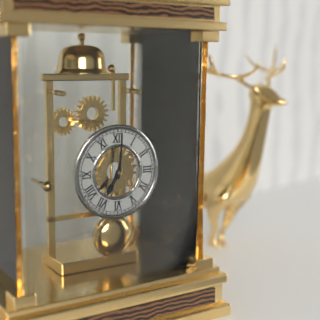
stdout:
**7:01**
